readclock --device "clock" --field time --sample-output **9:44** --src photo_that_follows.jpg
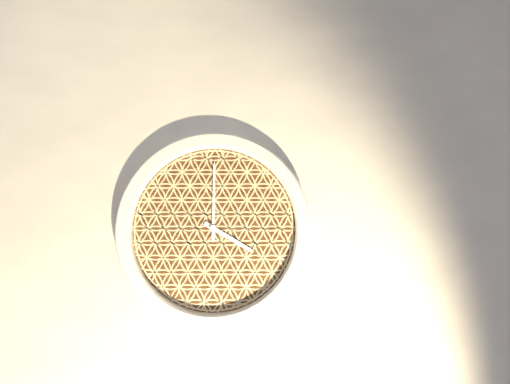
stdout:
**4:00**
